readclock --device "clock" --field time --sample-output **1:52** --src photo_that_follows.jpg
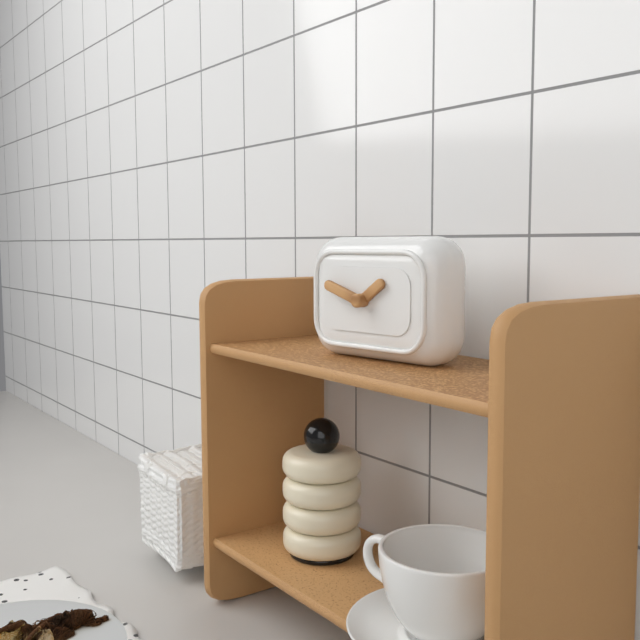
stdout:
**1:48**
